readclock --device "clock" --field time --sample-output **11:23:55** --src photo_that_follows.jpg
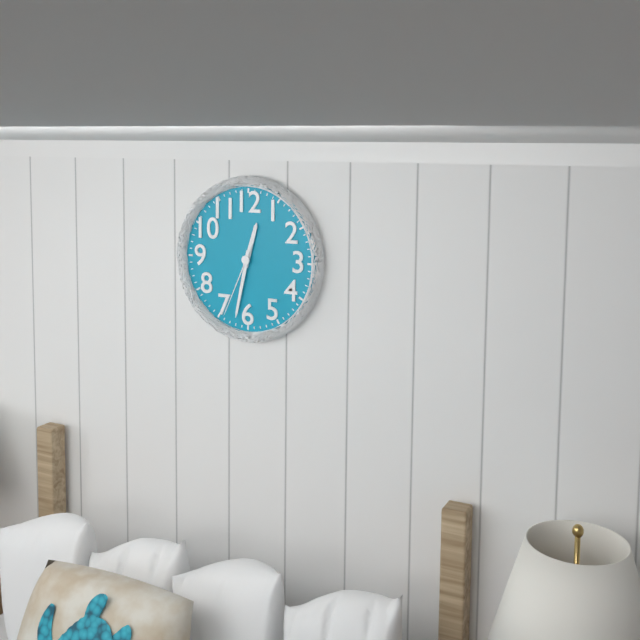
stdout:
**12:32:34**
